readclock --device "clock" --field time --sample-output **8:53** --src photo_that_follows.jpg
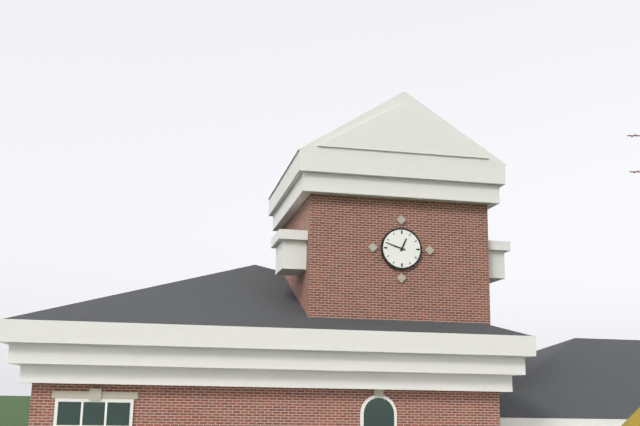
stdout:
**12:48**
